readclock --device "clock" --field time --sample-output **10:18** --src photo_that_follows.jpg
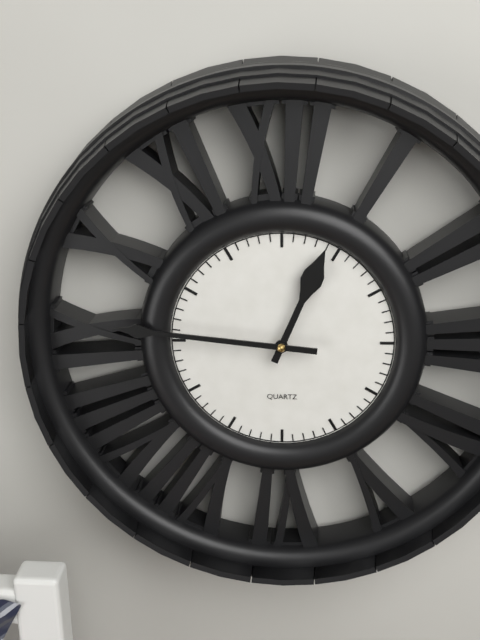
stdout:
**12:46**
